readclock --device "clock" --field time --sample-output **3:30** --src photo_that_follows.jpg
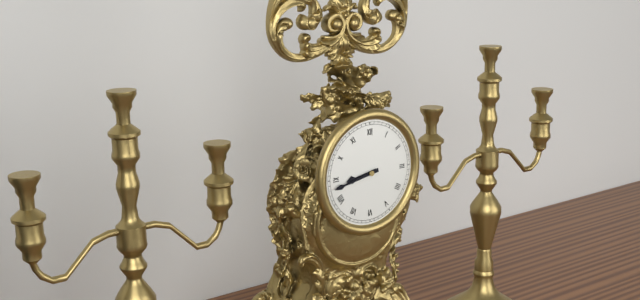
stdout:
**8:43**
